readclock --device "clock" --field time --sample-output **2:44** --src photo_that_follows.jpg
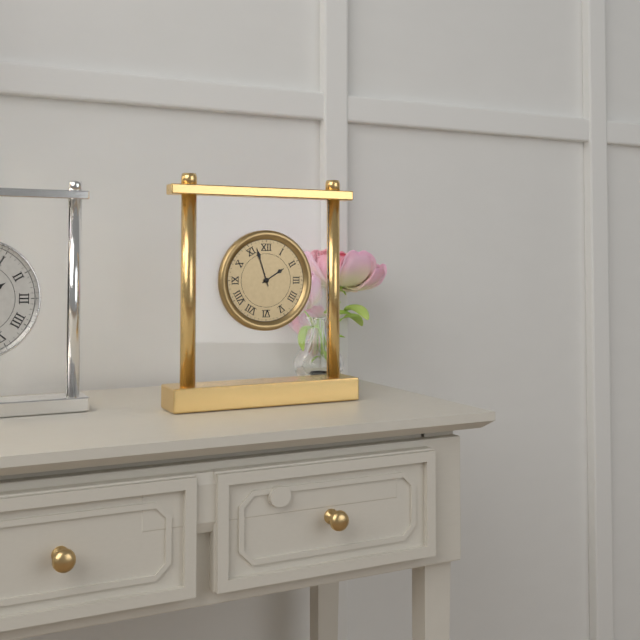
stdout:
**1:57**
